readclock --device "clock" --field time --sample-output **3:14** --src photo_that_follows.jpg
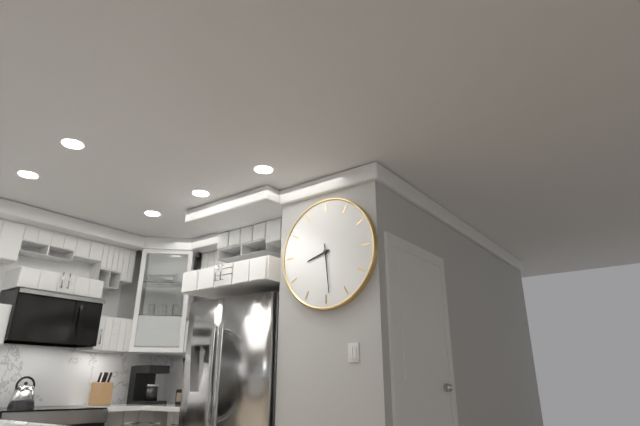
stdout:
**8:29**
